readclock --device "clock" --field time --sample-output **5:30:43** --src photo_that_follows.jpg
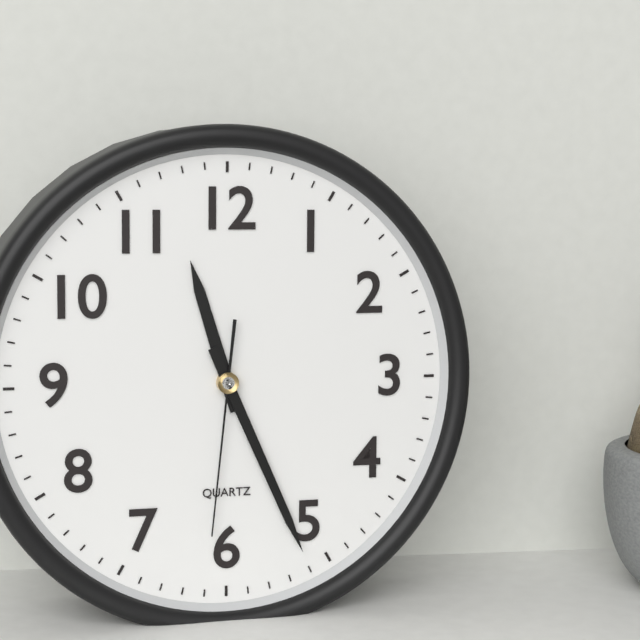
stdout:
**11:26:31**
